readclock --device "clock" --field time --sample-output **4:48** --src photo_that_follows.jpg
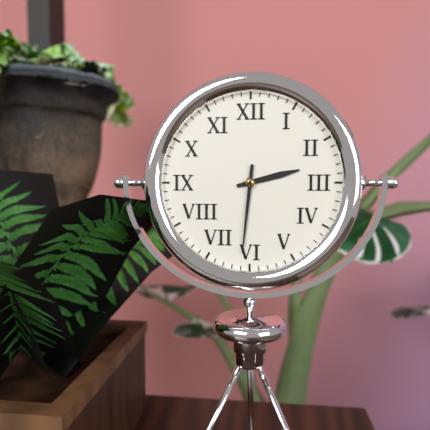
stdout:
**2:31**
